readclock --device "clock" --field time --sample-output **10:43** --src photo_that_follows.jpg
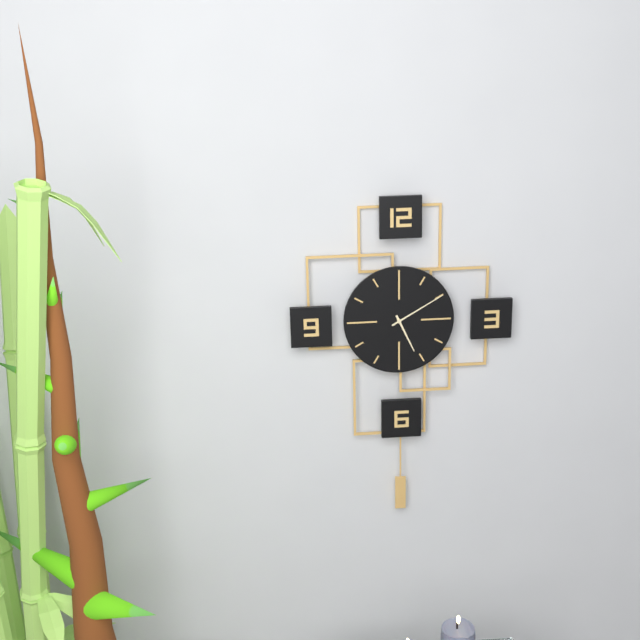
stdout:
**5:10**
